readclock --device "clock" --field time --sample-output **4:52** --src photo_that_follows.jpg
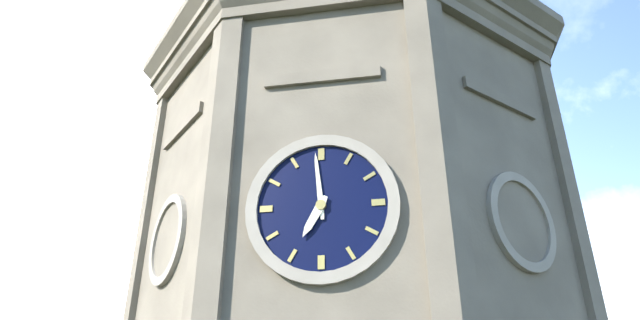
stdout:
**6:59**
